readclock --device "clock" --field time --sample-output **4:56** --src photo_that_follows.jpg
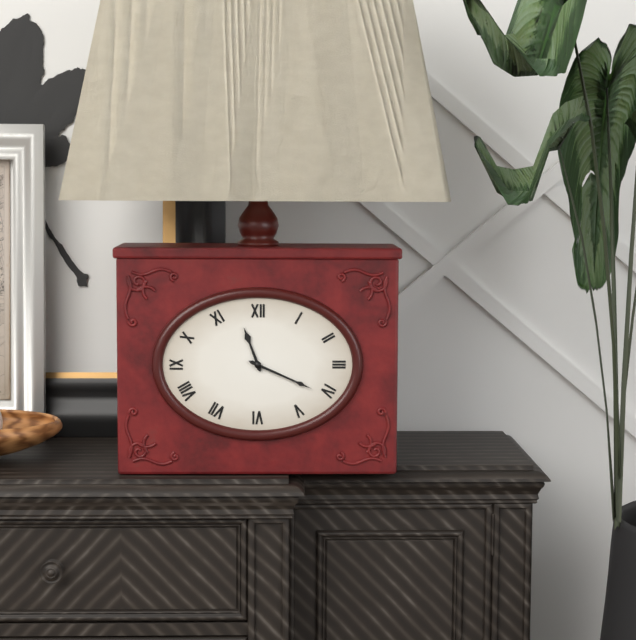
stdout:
**11:19**
